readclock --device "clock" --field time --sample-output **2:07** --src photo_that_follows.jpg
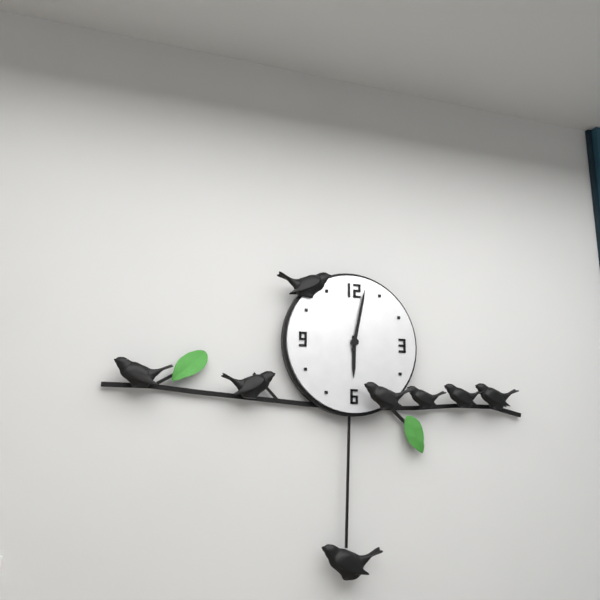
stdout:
**6:02**
